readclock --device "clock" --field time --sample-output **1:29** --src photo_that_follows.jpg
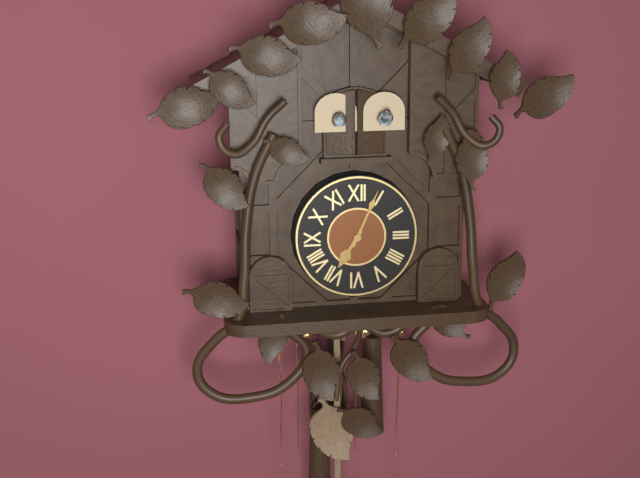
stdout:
**7:04**
